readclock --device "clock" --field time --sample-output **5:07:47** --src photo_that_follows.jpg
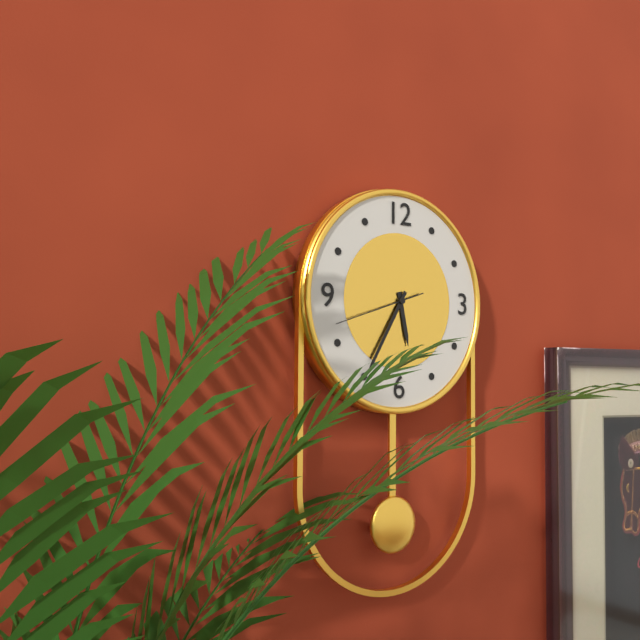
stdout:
**5:35:42**
